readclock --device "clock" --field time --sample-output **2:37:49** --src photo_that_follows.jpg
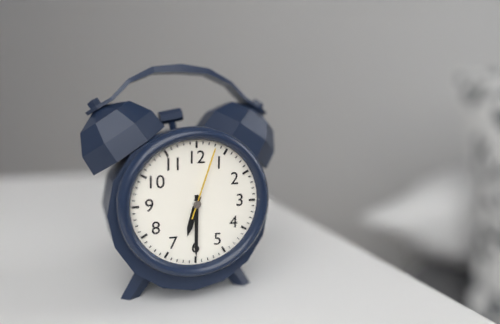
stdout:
**6:30:03**
